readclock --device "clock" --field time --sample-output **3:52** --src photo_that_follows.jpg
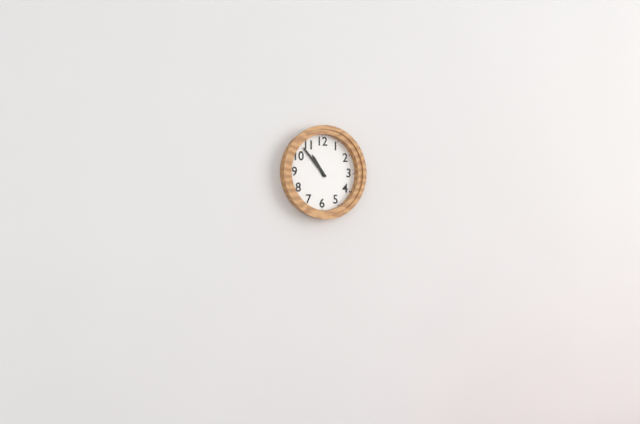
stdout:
**10:53**
